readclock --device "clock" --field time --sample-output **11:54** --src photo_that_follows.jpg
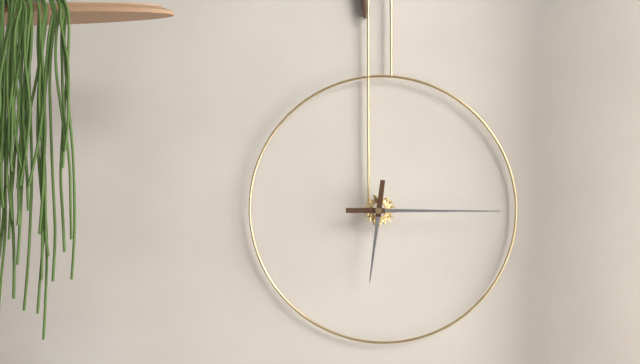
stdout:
**6:15**
